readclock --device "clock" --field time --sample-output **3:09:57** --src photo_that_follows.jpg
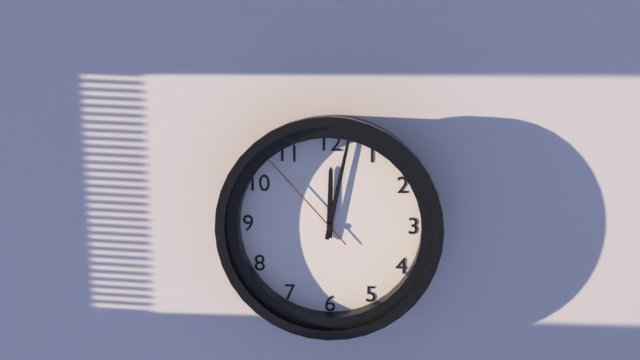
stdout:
**12:02:53**
